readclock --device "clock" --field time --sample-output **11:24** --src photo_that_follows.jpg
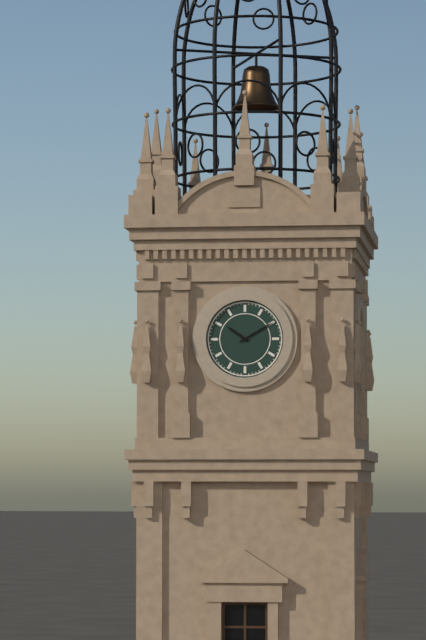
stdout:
**10:10**
